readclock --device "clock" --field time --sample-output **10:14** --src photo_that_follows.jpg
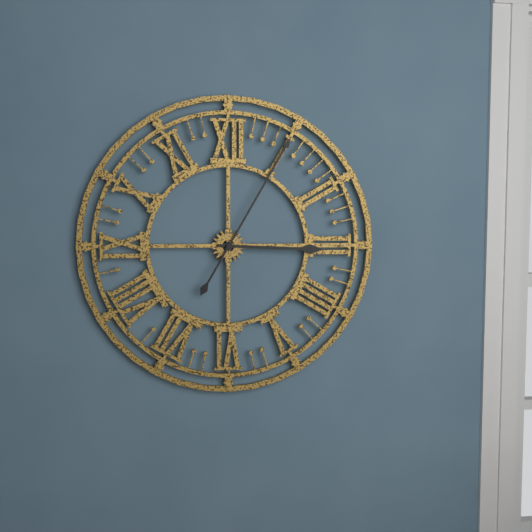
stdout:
**3:05**
